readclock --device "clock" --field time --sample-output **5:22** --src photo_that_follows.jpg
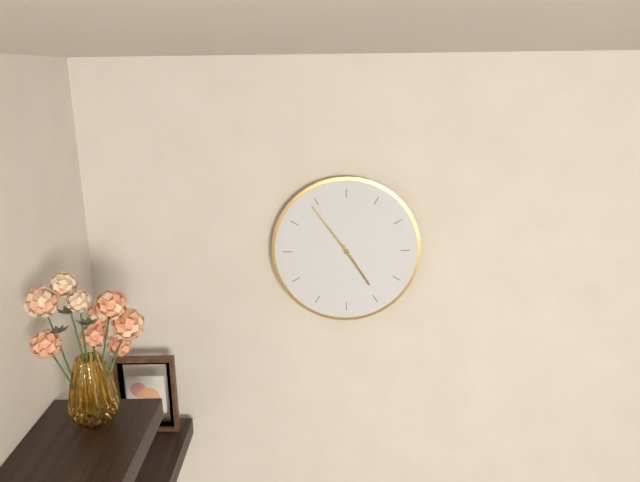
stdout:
**4:54**
